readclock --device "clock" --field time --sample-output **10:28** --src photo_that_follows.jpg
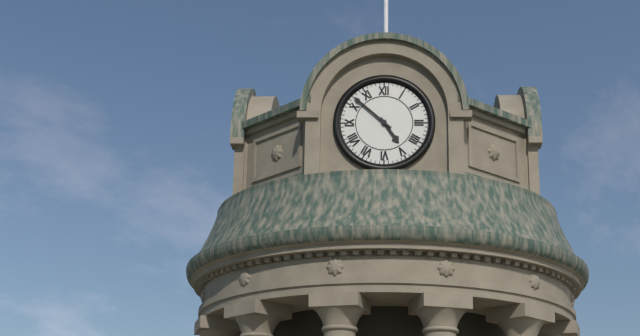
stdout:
**4:52**
